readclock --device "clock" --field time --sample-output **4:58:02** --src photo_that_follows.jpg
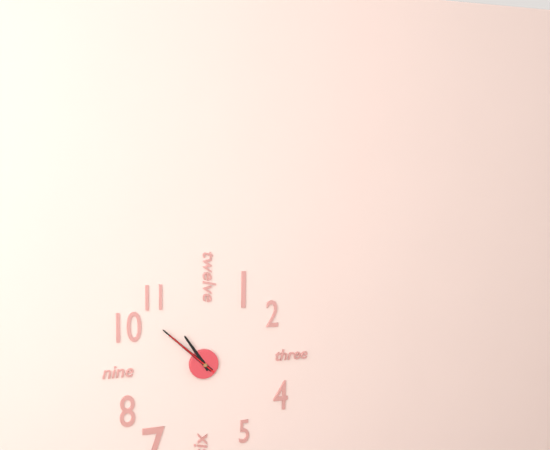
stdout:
**10:52:52**
